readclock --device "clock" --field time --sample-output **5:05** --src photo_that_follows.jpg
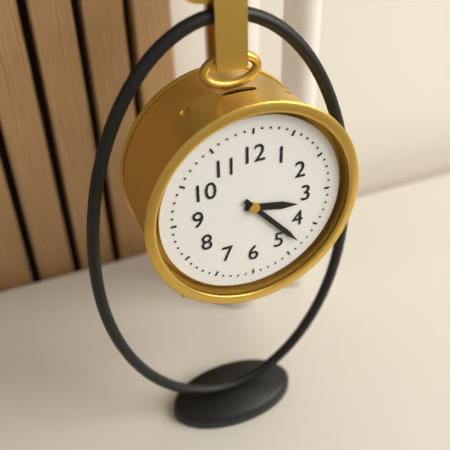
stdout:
**3:23**
